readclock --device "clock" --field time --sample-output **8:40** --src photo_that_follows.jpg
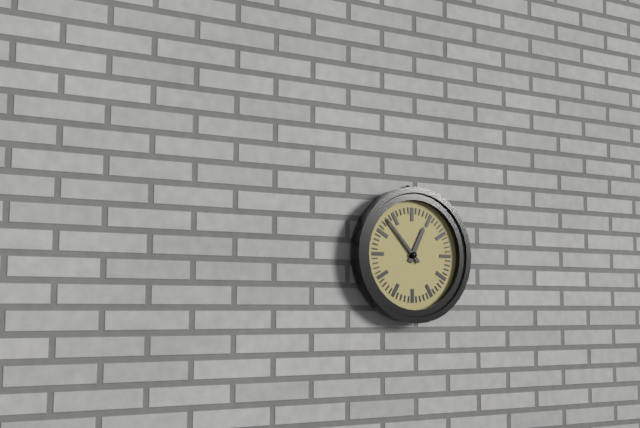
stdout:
**12:53**
